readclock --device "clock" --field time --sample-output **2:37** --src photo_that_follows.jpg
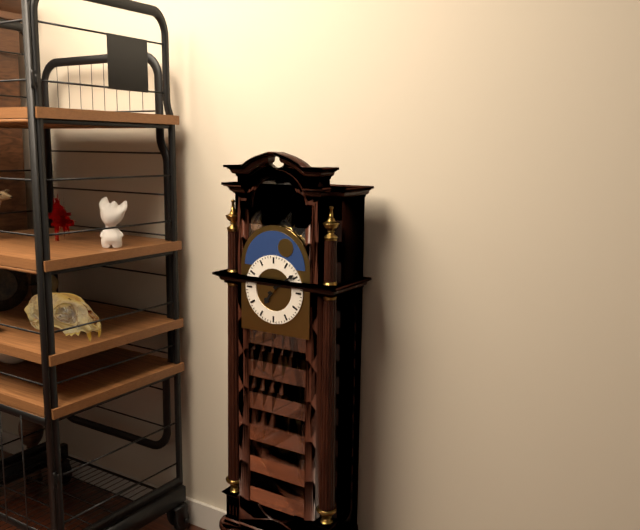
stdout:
**7:09**
